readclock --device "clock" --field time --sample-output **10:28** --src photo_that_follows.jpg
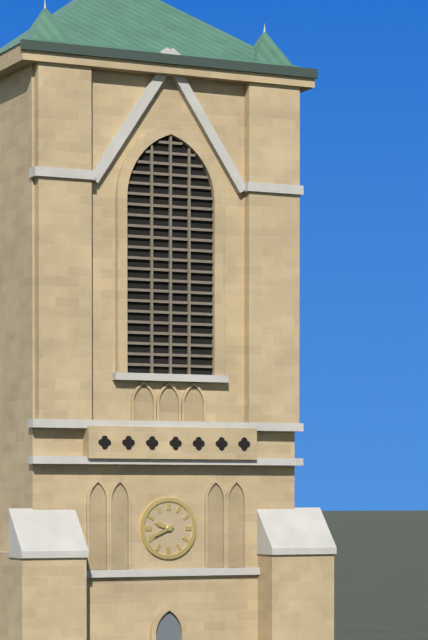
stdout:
**9:41**
